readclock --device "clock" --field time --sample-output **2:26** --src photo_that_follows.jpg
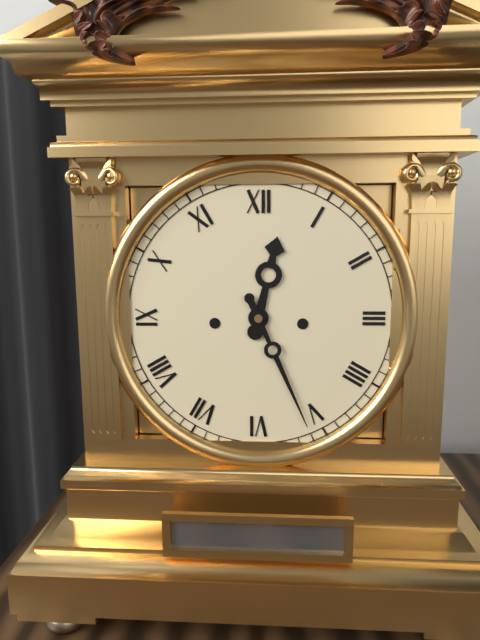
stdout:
**12:26**
